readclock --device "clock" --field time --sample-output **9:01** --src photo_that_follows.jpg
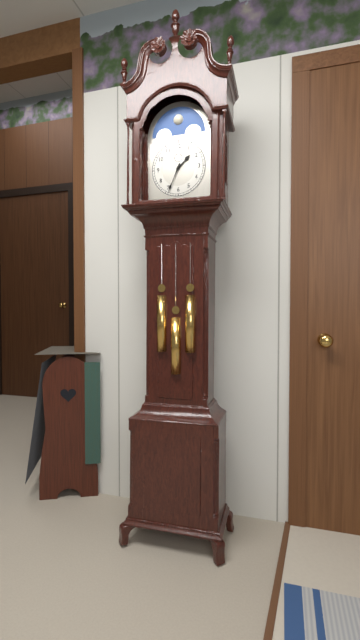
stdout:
**1:34**
